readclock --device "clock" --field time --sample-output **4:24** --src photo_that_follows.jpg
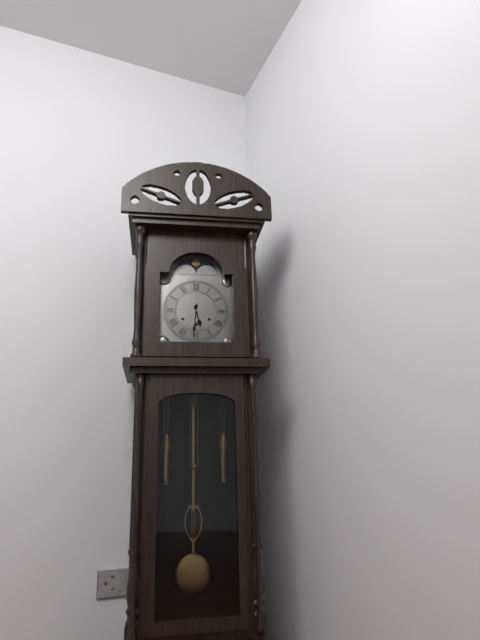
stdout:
**5:31**
